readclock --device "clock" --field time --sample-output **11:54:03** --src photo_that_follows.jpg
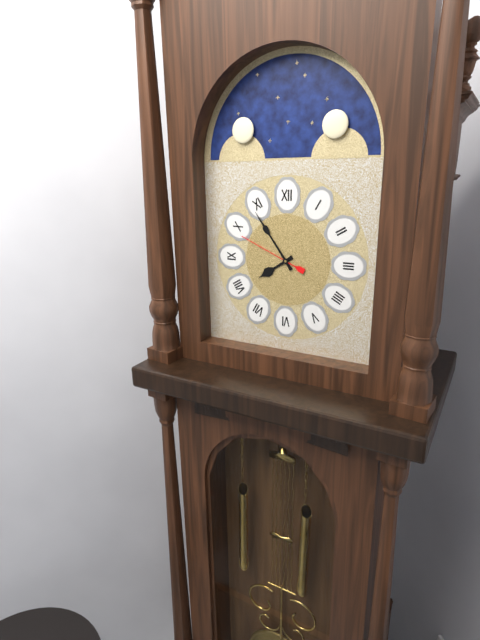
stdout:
**7:54:49**
